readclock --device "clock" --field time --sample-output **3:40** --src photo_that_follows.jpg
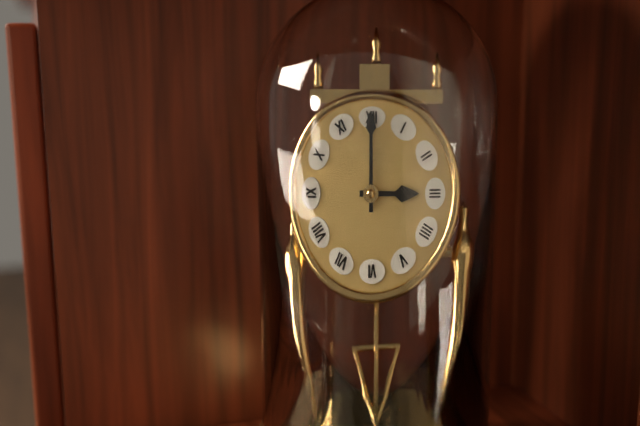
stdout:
**3:00**
